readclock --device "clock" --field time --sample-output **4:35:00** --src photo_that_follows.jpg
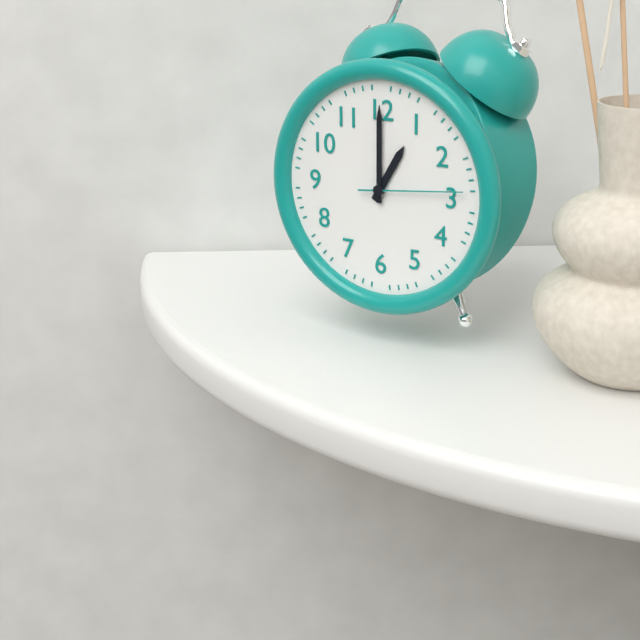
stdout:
**1:00:14**
